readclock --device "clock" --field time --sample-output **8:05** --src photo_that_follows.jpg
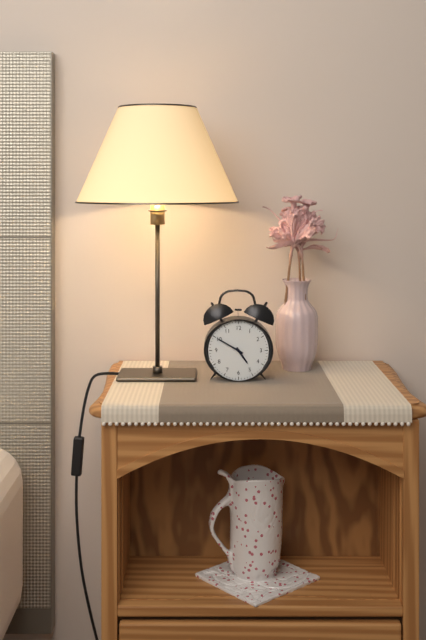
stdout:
**4:50**
